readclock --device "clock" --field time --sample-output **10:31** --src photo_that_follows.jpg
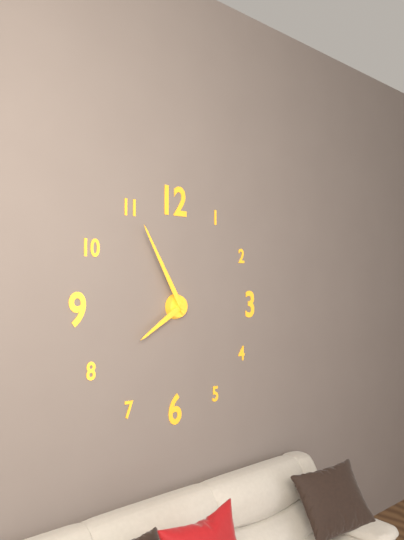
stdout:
**7:55**
